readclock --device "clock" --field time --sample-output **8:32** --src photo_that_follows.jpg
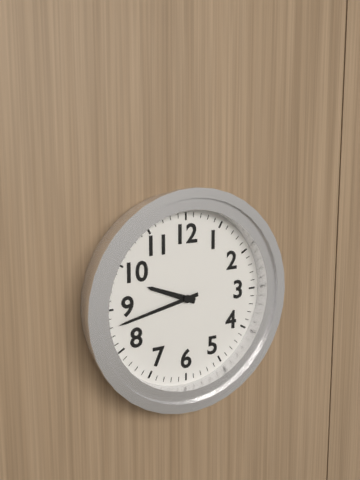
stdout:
**9:43**
